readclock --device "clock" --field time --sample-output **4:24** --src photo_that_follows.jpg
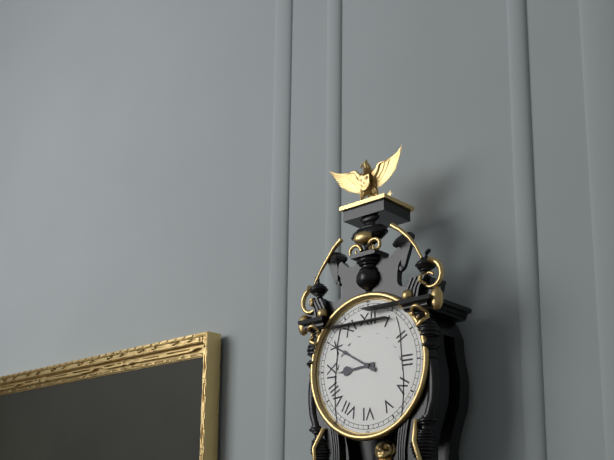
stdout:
**8:50**
